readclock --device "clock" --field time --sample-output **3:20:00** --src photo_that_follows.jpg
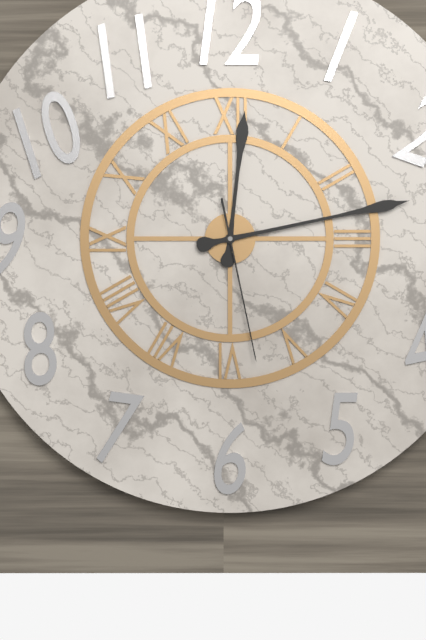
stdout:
**12:13:28**
